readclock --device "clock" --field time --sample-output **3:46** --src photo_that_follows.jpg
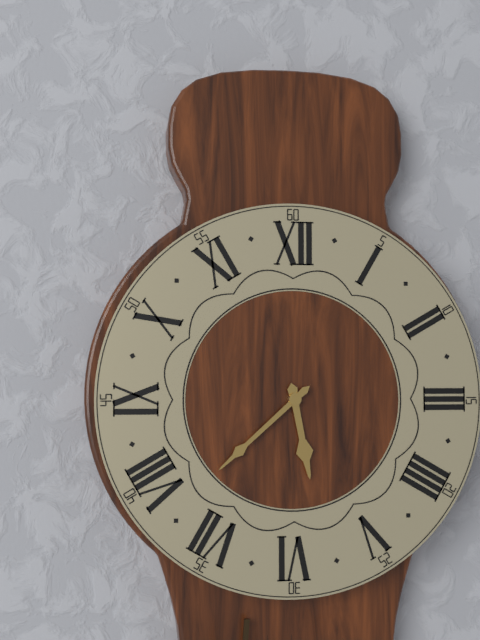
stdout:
**5:38**
